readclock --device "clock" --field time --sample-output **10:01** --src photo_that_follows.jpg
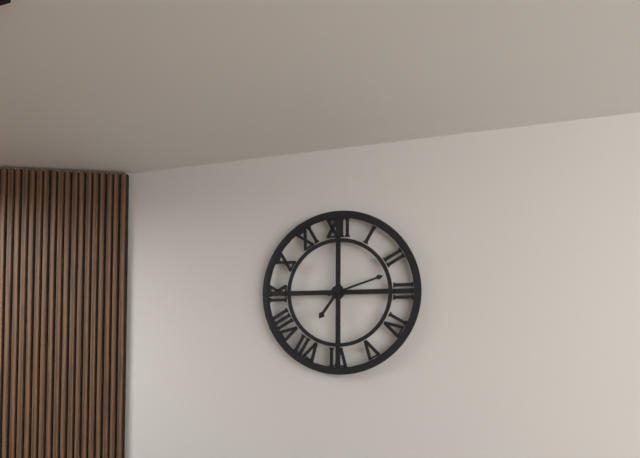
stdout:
**7:12**
